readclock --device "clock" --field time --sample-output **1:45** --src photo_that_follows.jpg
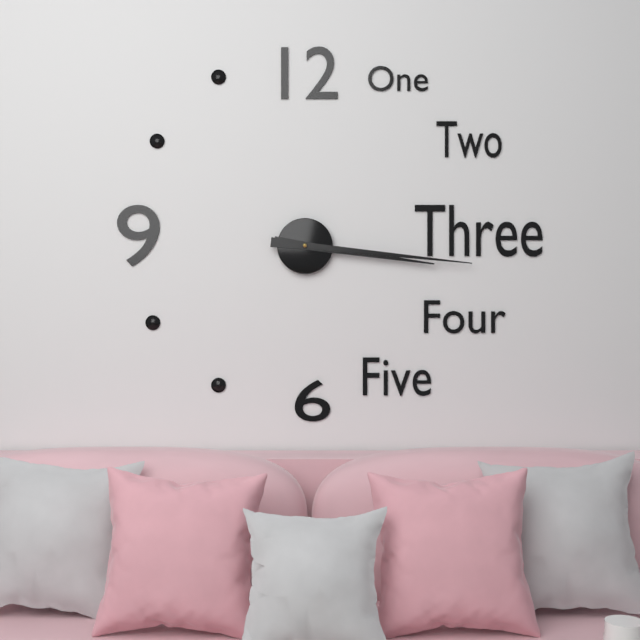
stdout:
**3:16**
